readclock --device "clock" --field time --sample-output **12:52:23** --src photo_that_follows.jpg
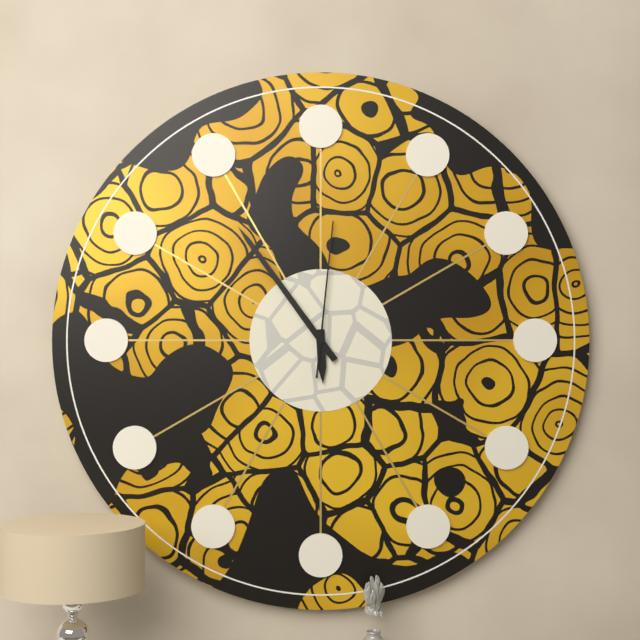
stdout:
**5:54:01**
